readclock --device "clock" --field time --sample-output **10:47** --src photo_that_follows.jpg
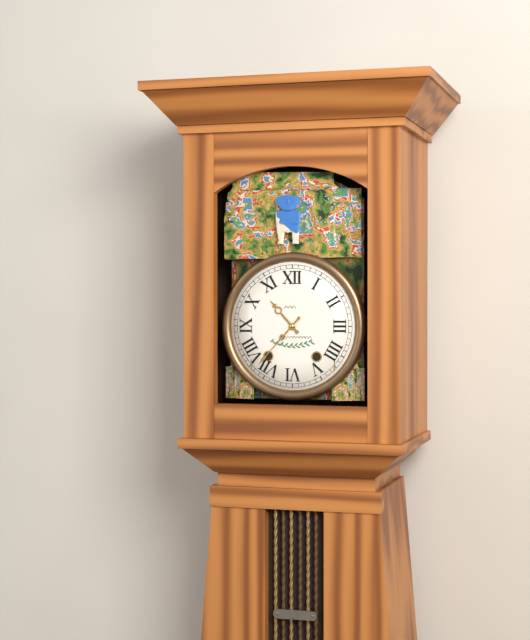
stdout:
**10:37**
